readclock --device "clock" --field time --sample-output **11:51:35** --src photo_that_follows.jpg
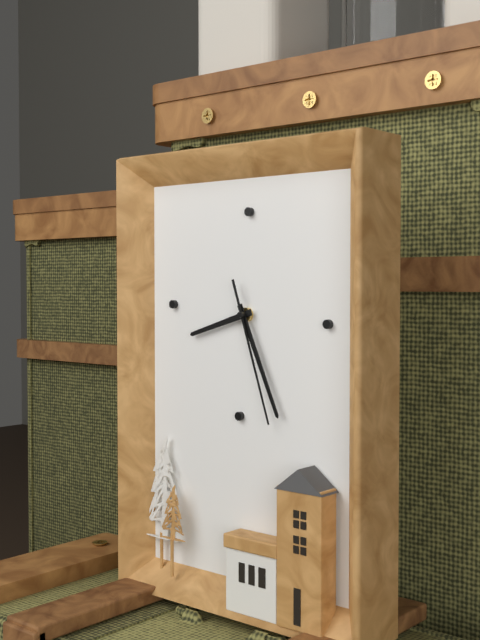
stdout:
**8:26:27**
